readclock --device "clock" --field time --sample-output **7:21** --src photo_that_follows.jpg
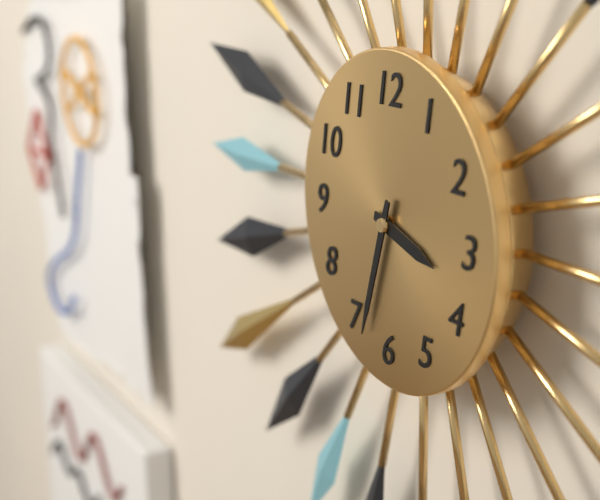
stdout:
**3:33**
